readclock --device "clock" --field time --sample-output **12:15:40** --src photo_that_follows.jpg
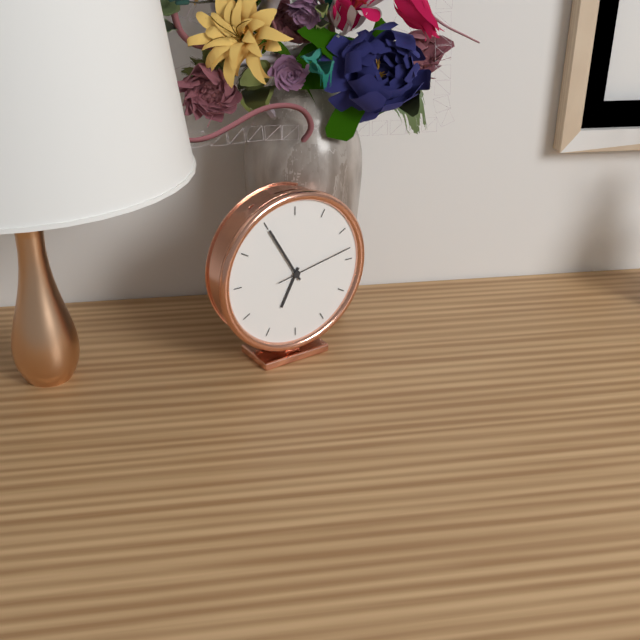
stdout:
**6:55:13**
